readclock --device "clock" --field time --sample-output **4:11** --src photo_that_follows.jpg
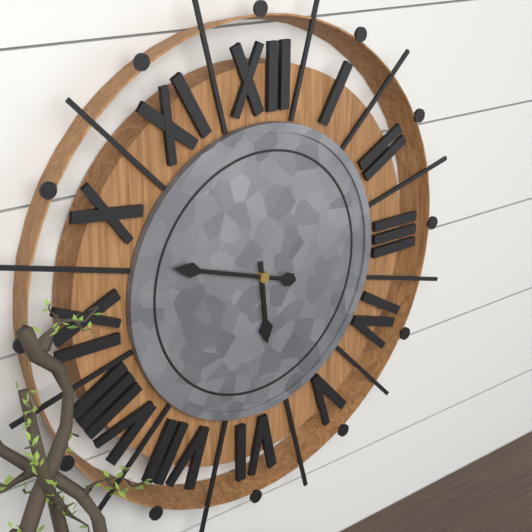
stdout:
**5:48**
